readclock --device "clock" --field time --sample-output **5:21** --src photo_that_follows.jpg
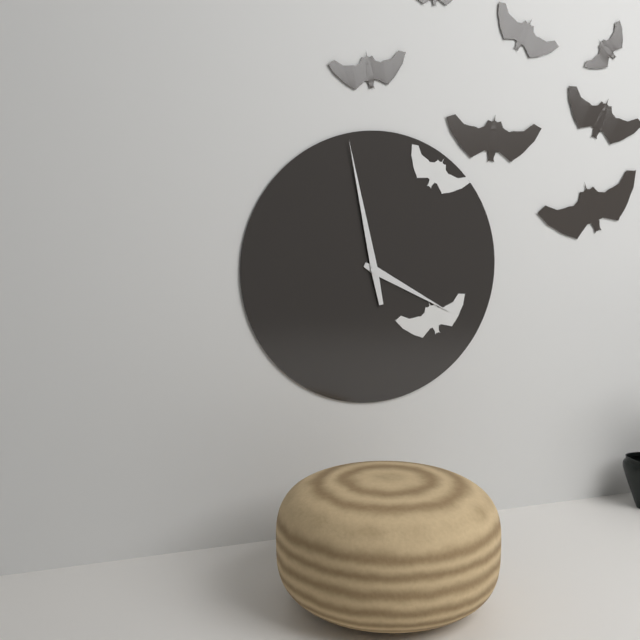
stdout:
**3:58**
